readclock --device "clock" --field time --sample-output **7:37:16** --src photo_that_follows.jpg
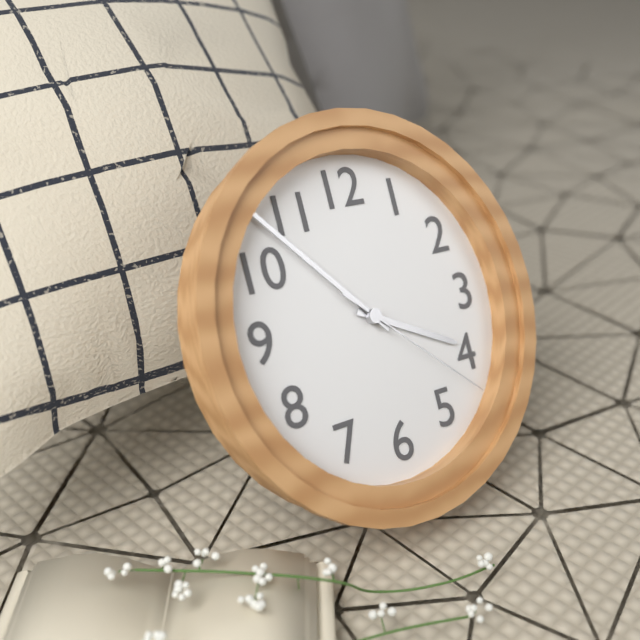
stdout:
**3:53:22**
